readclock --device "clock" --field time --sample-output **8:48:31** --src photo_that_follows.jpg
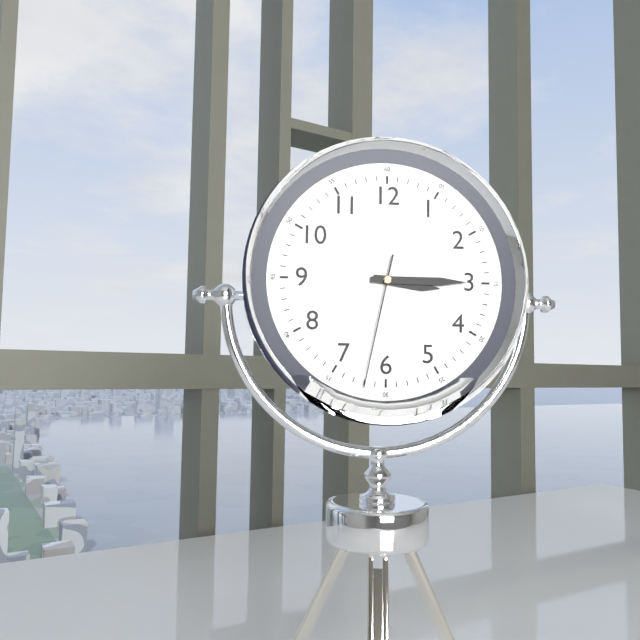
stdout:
**3:15:32**
